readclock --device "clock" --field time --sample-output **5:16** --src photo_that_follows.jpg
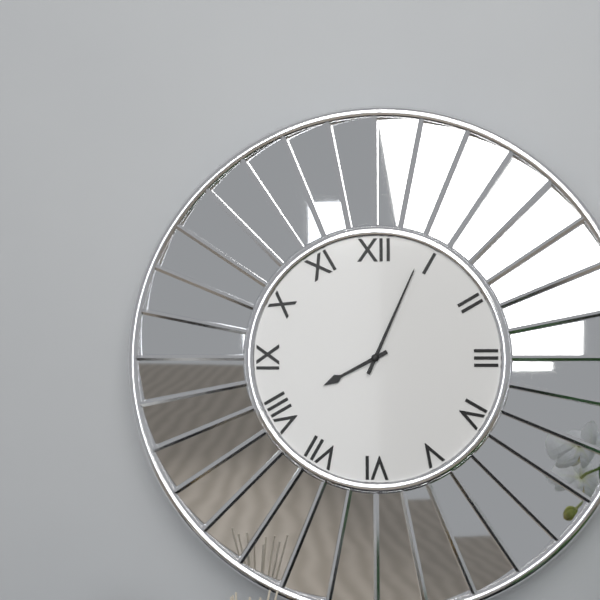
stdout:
**8:04**
